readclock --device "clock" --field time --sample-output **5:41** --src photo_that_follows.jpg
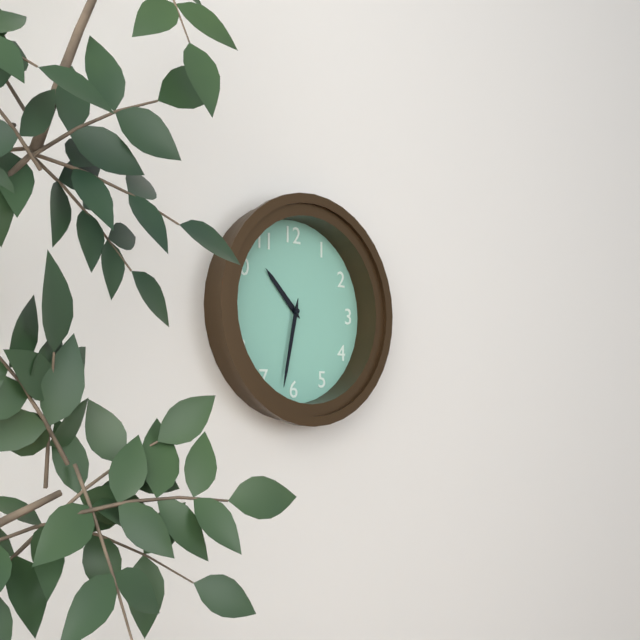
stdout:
**10:32**
